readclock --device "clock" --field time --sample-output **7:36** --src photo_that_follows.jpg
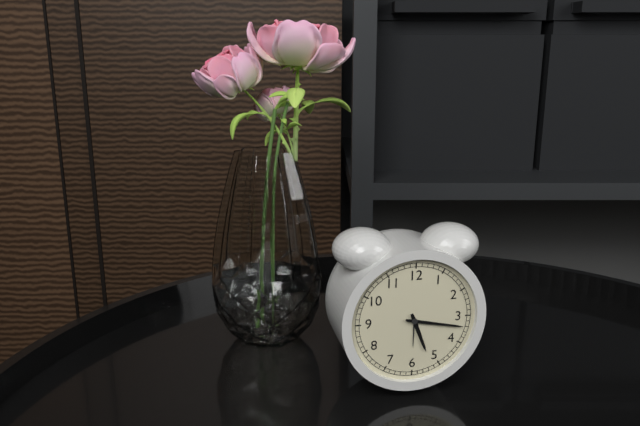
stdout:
**5:17**
